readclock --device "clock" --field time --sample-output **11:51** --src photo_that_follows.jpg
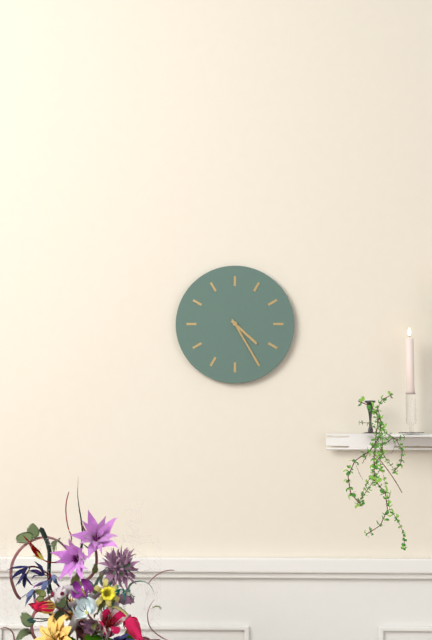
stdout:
**4:25**
